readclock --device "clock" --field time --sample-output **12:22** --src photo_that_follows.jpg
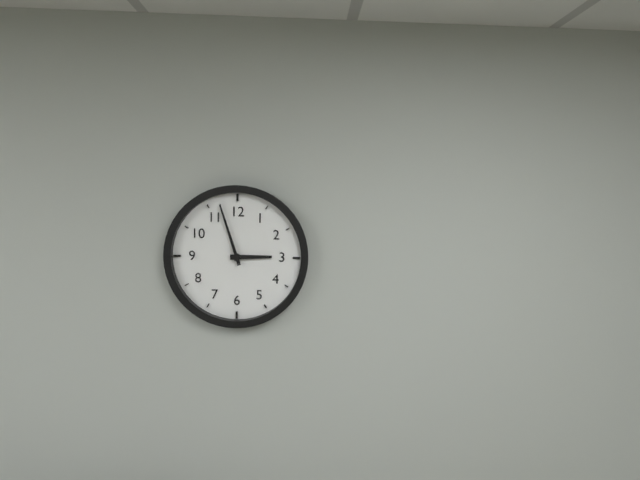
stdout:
**2:57**
